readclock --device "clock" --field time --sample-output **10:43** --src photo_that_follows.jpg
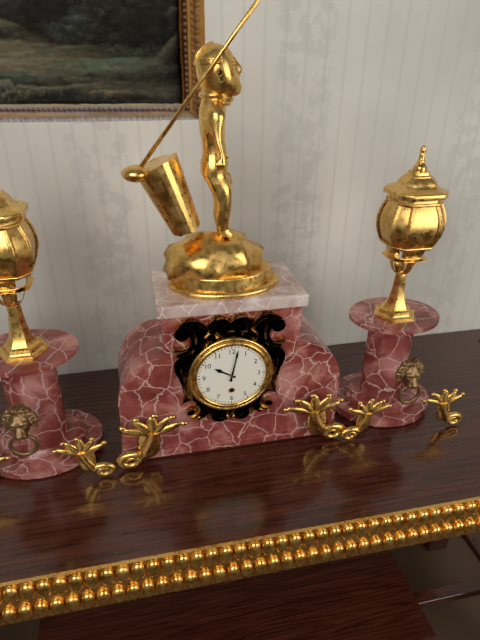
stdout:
**10:02**
